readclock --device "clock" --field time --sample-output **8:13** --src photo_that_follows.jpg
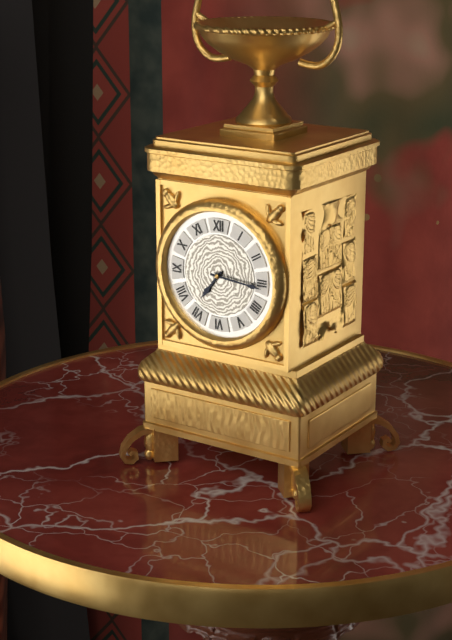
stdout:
**7:16**
